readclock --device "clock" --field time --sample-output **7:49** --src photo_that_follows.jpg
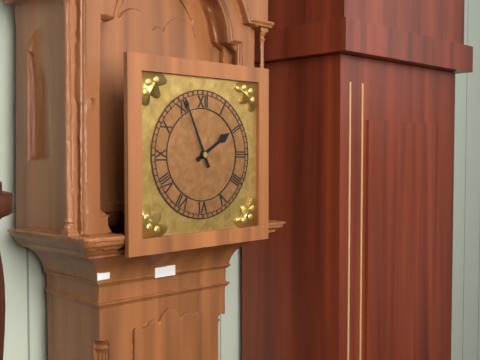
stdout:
**1:56**
